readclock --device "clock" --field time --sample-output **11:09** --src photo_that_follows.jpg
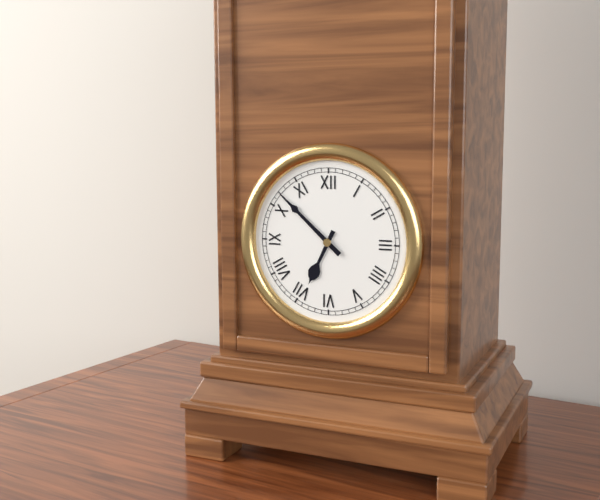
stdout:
**6:52**
